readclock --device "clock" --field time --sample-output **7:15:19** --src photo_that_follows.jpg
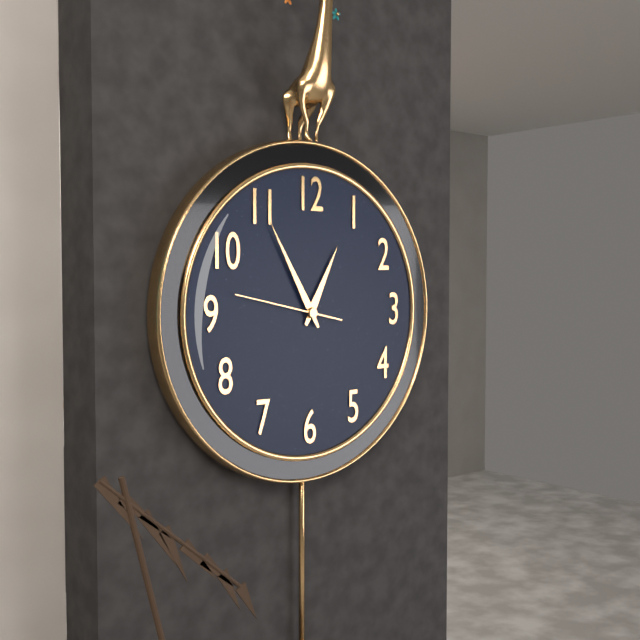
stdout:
**12:55:47**
